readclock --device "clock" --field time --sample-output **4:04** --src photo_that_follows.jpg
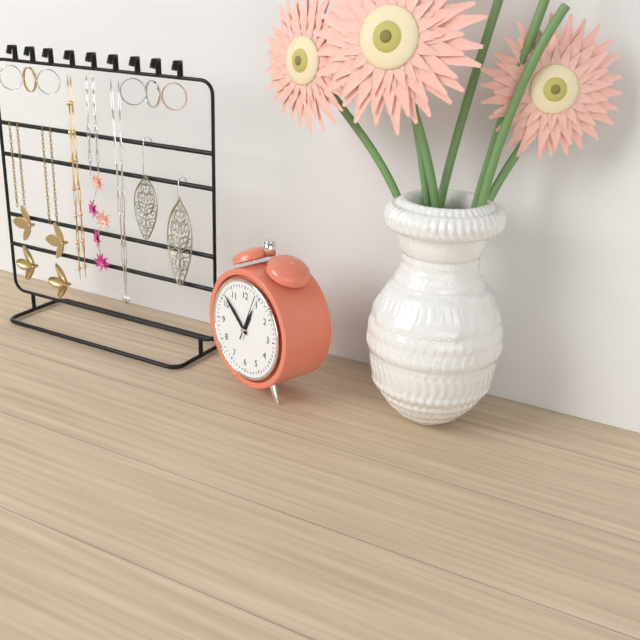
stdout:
**12:52**
